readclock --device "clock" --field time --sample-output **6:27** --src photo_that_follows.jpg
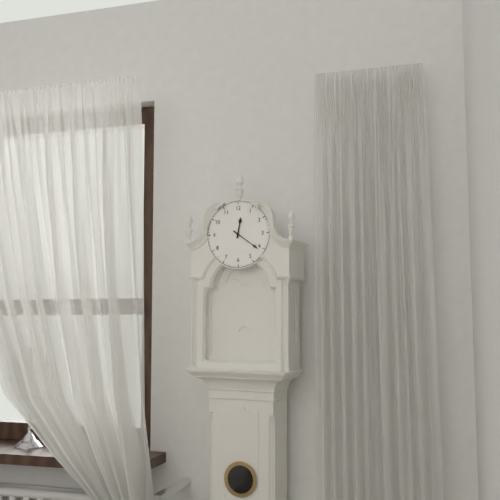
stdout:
**12:21**
